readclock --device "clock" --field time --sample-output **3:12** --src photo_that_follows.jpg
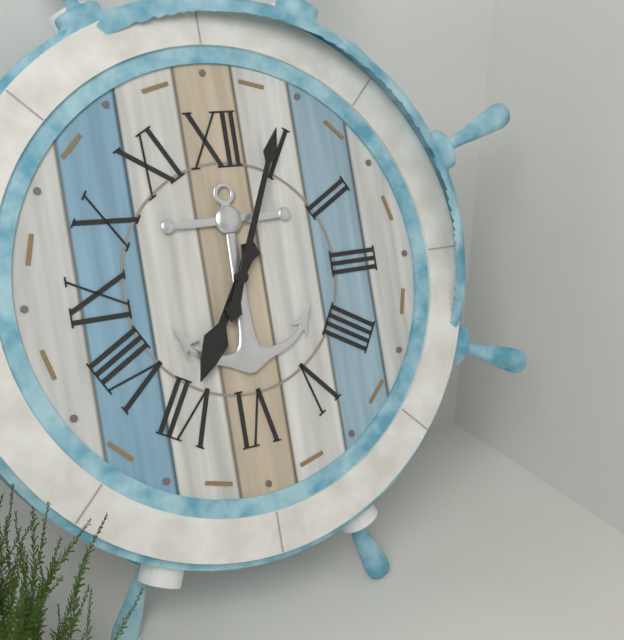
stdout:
**7:04**
